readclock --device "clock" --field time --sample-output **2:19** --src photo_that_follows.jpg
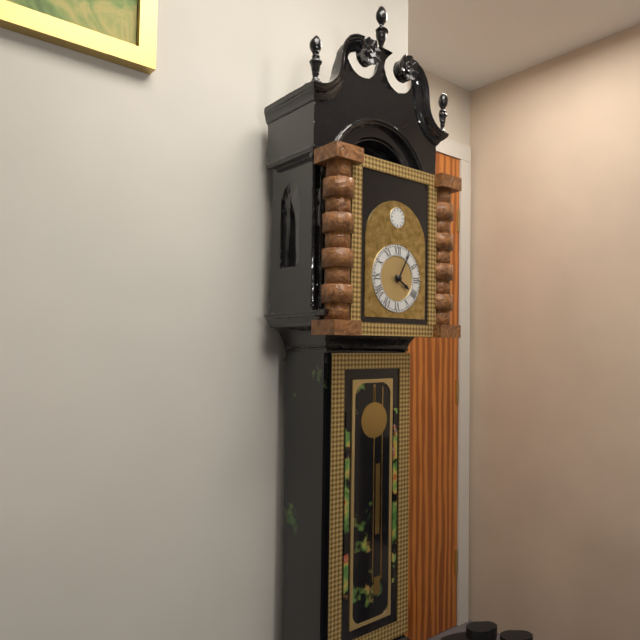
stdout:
**4:05**
